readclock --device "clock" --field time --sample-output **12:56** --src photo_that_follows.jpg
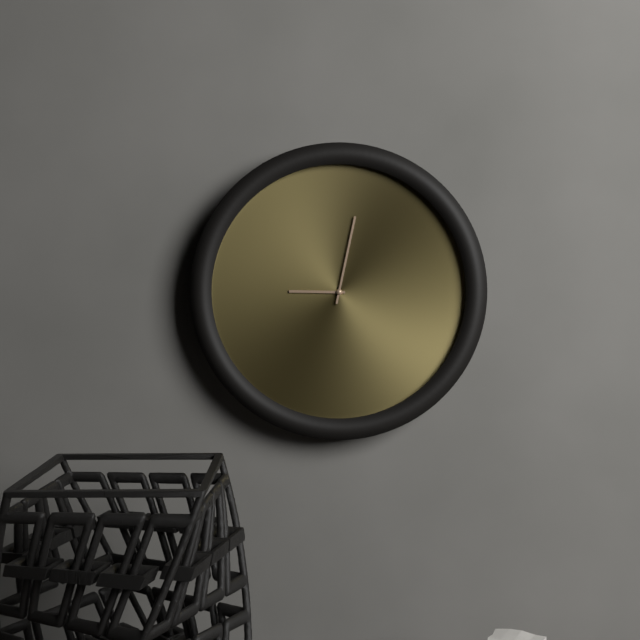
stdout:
**9:02**
